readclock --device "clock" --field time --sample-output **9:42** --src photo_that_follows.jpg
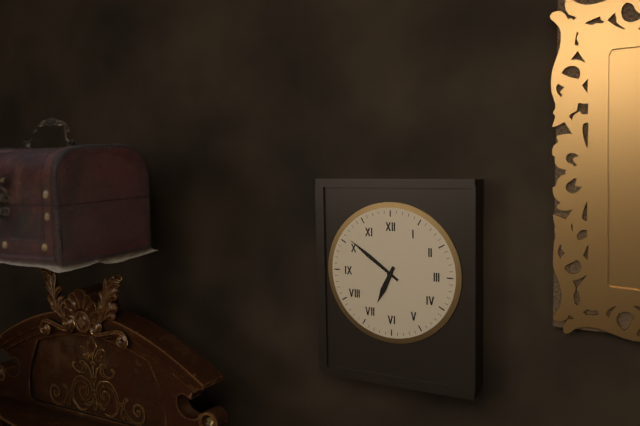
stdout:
**6:51**
